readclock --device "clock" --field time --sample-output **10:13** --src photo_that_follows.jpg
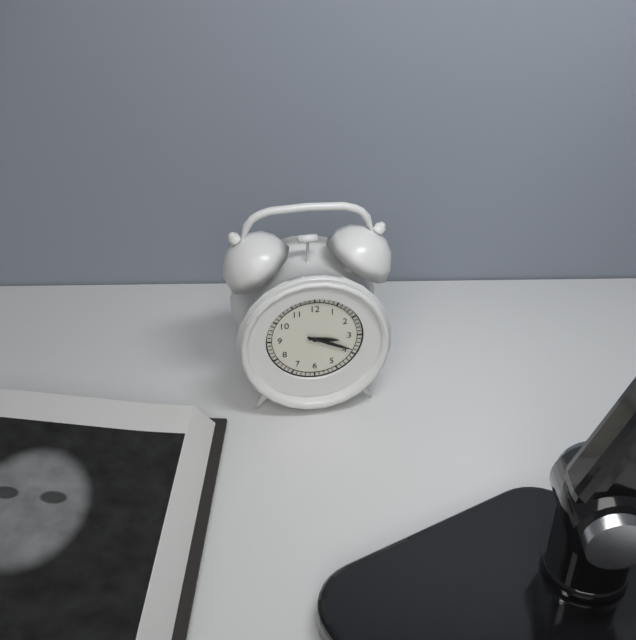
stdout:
**3:19**
